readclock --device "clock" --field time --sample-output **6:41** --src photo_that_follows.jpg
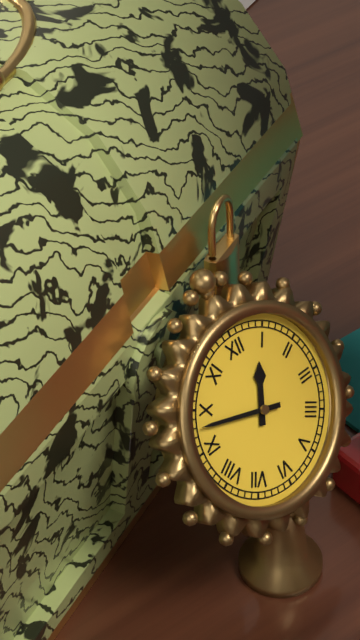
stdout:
**12:48**
